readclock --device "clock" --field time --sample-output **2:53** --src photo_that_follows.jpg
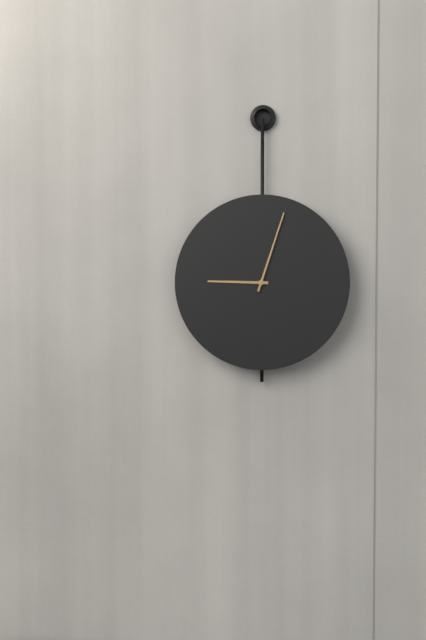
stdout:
**9:03**
